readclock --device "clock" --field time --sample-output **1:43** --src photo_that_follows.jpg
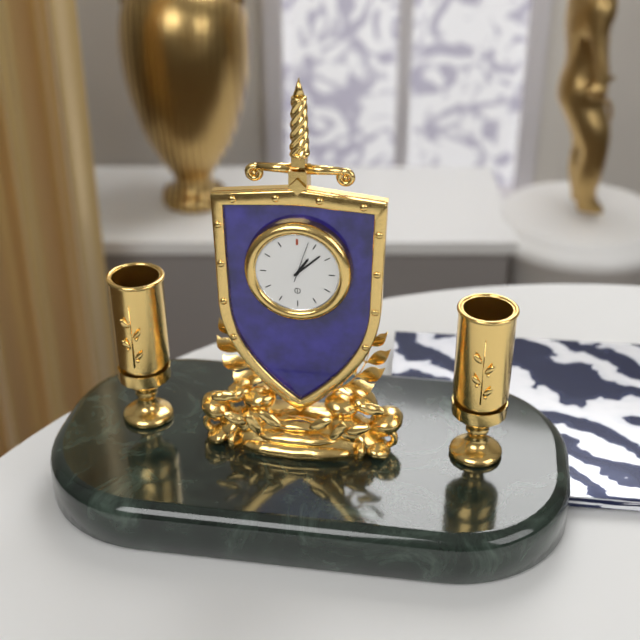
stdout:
**1:08**
